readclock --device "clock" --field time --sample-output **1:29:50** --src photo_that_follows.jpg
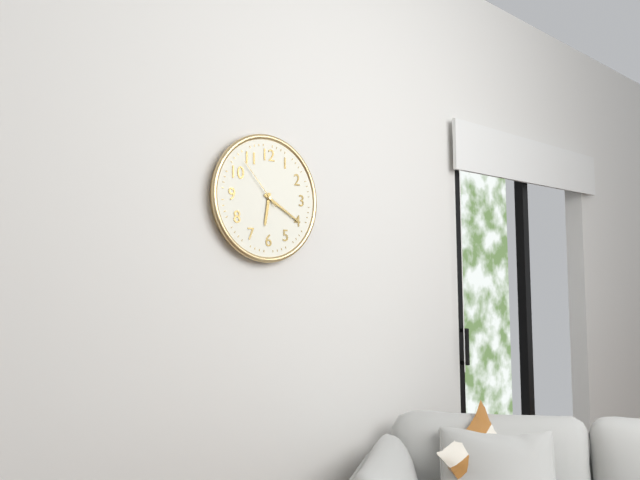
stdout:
**6:20:53**
